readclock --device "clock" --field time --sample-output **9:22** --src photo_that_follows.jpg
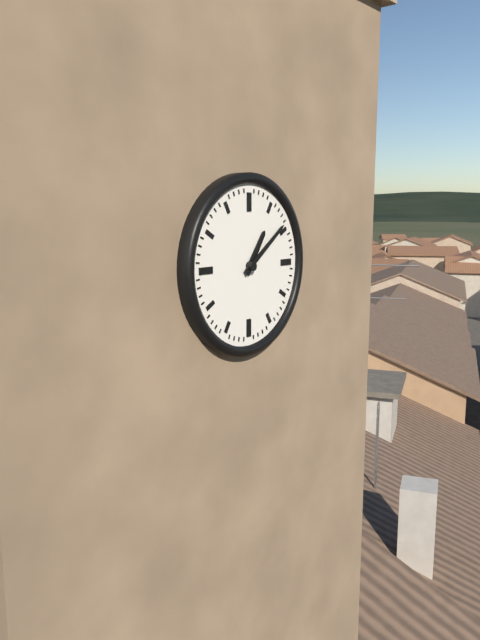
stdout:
**1:09**
